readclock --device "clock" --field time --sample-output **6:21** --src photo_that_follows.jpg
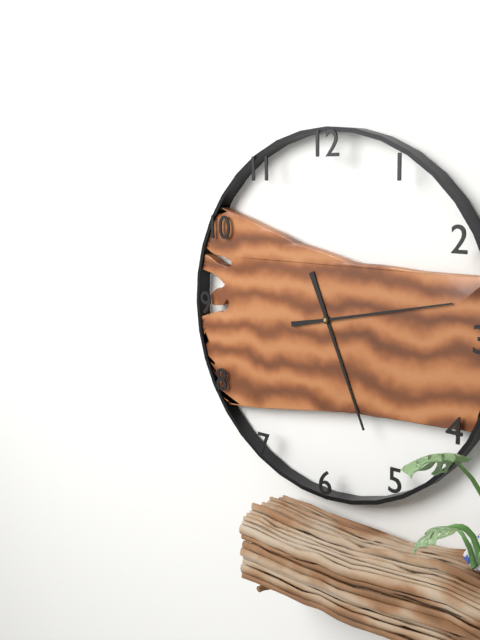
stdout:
**5:13**
